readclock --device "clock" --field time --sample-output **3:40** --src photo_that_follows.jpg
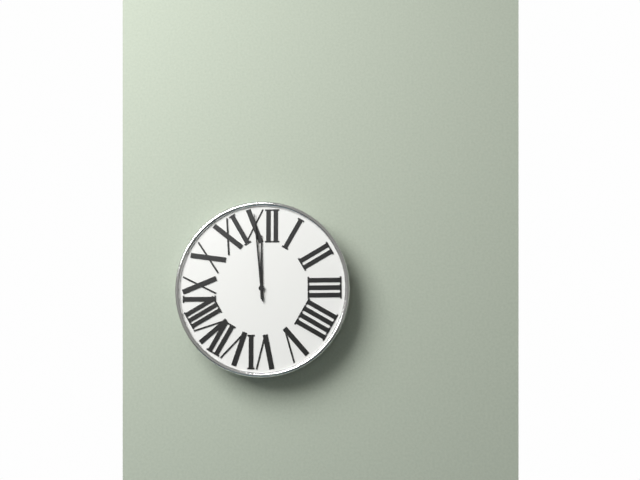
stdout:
**11:59**
